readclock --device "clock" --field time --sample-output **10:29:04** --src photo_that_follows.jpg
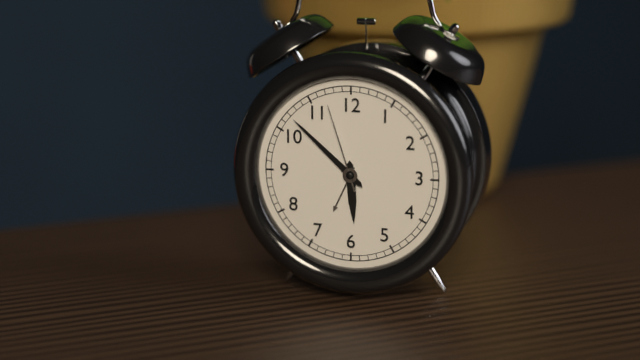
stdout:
**5:52:57**
